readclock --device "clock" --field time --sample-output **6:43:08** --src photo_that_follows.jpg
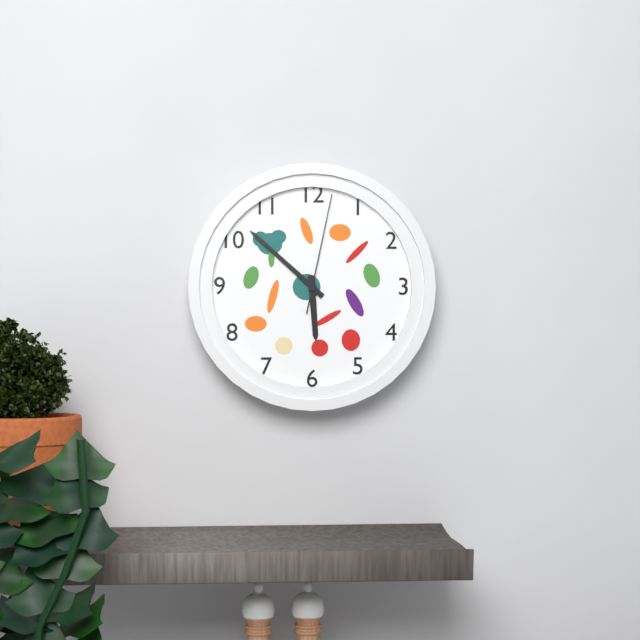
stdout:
**5:52:02**
